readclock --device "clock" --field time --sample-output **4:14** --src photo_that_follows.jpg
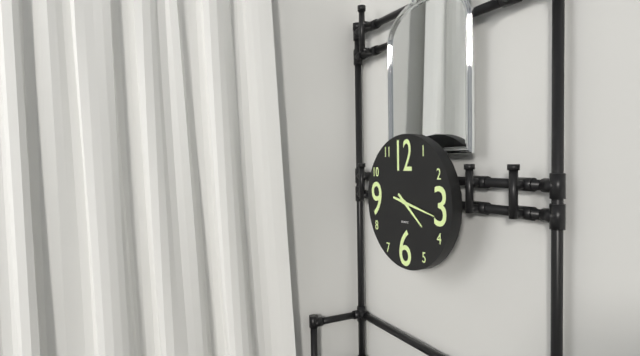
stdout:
**4:17**
